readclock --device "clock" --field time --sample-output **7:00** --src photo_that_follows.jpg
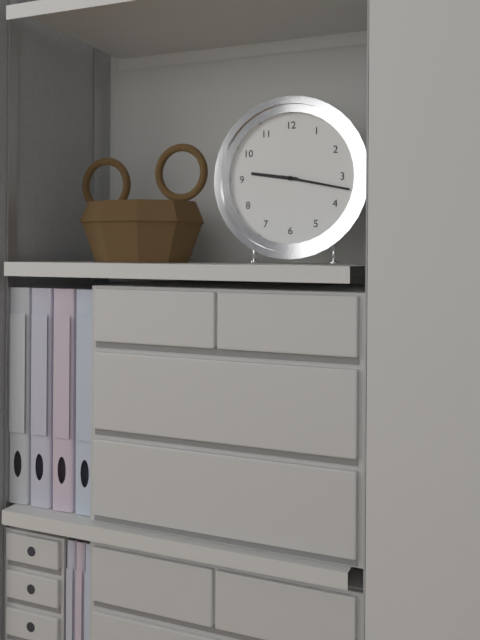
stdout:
**9:17**
